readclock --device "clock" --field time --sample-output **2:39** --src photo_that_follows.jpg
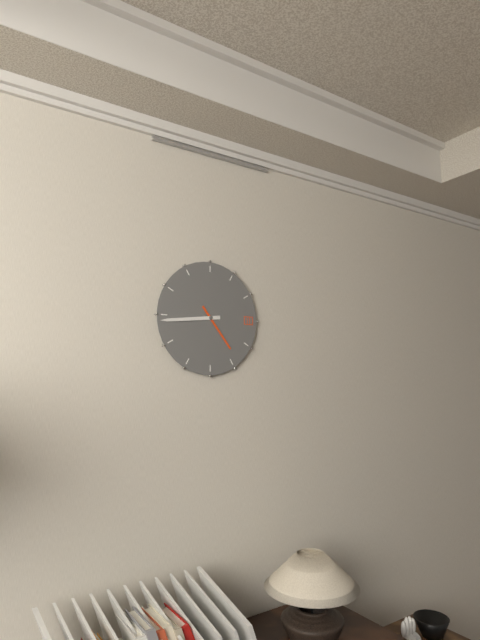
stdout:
**4:44**
